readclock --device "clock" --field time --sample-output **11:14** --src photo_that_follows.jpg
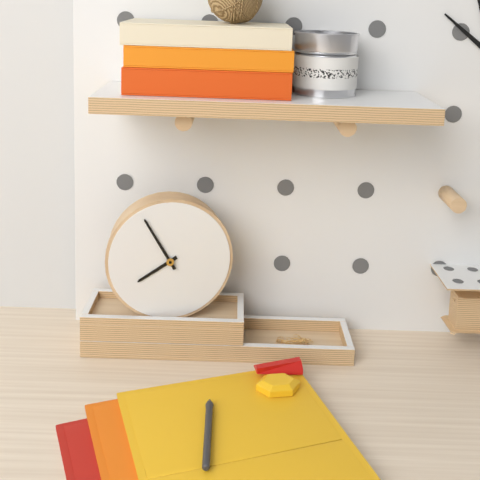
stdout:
**7:55**
